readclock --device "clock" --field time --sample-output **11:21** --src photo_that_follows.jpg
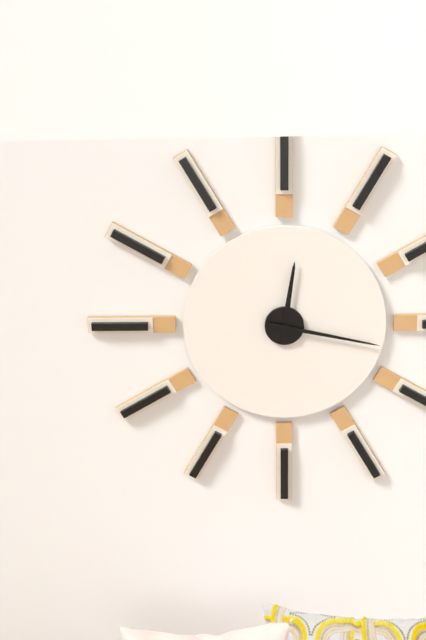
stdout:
**12:17**
